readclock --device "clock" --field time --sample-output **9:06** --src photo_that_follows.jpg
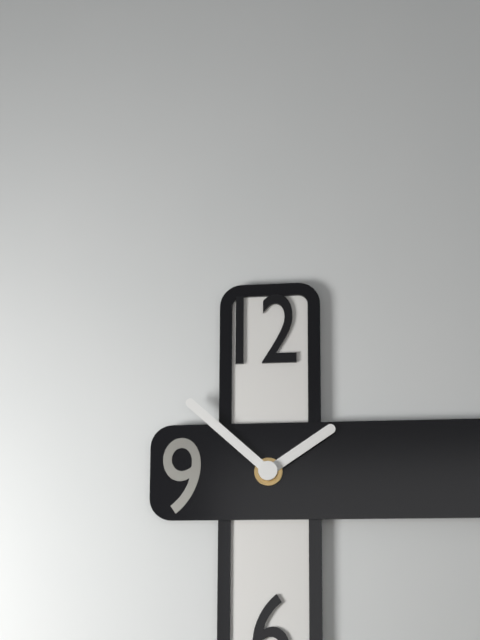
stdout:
**1:52**
